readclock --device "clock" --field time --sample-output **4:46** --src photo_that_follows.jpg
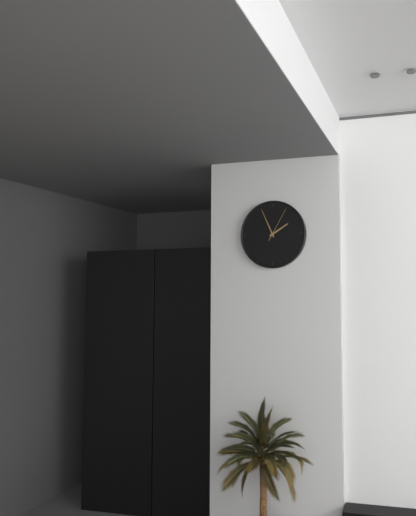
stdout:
**1:56**
